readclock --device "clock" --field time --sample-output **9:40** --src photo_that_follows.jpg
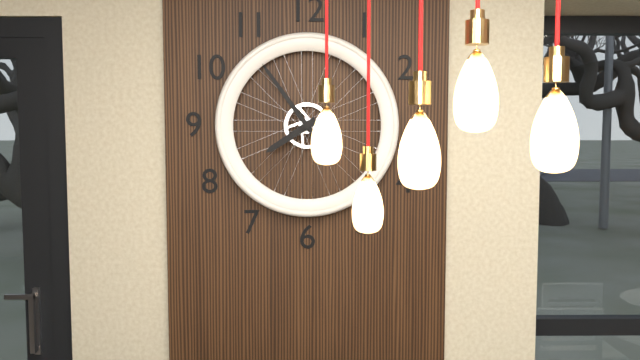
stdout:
**7:54**
